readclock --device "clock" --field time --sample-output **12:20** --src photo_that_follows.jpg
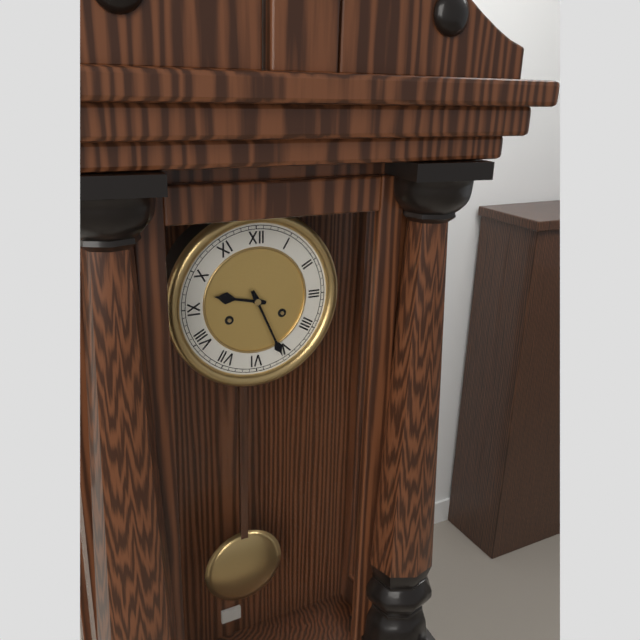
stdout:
**9:26**
